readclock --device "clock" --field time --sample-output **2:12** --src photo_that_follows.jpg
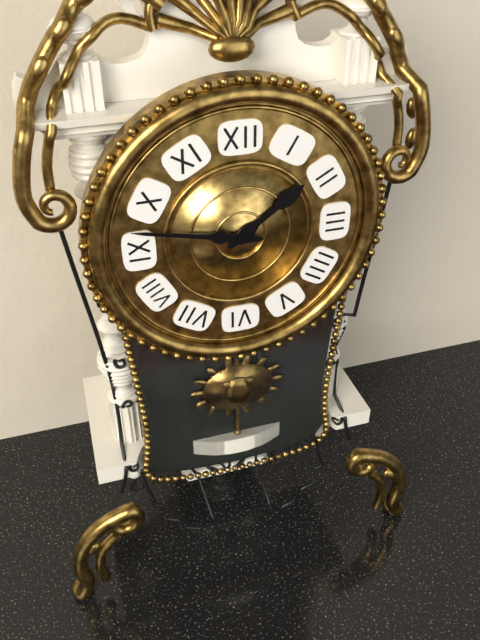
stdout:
**1:47**
